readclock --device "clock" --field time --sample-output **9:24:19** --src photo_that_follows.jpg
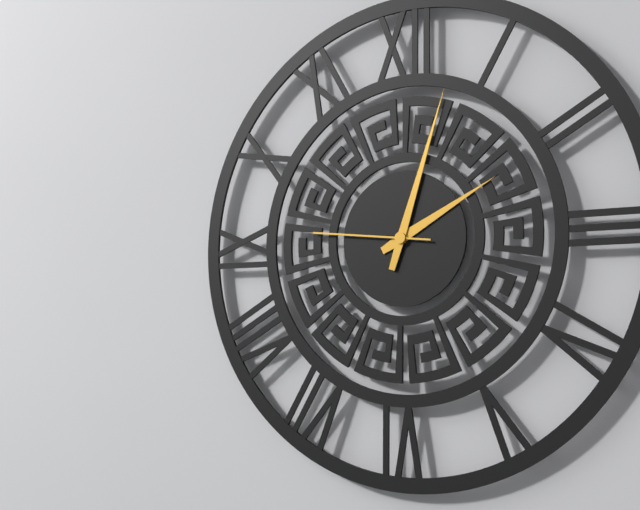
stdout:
**2:03:46**
